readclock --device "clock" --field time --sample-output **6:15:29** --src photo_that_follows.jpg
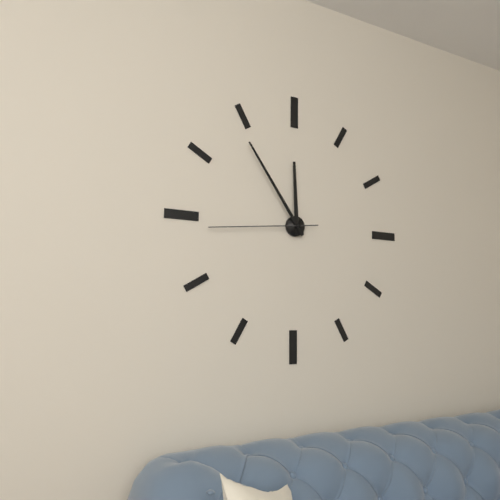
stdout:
**11:54:44**
